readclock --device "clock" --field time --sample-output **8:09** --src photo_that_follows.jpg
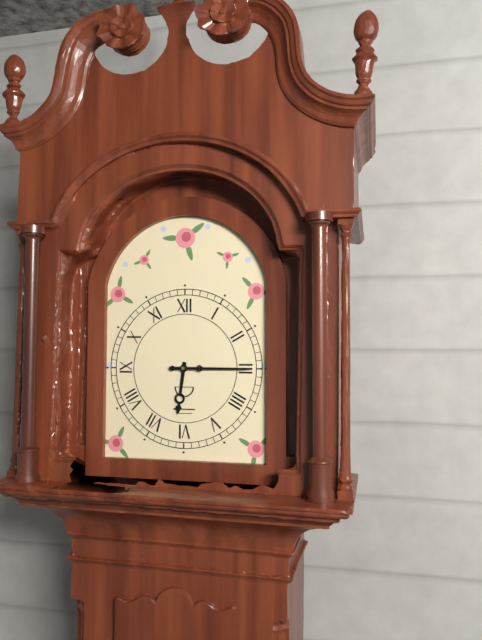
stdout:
**6:15**
